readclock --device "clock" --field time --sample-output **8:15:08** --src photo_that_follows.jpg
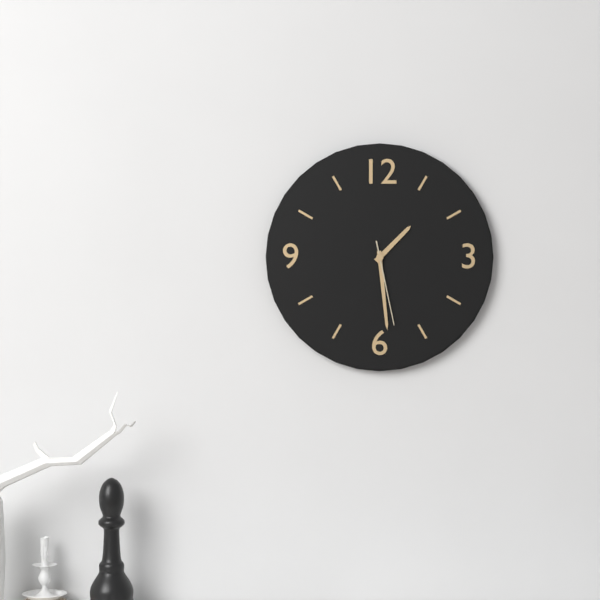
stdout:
**1:29:28**
